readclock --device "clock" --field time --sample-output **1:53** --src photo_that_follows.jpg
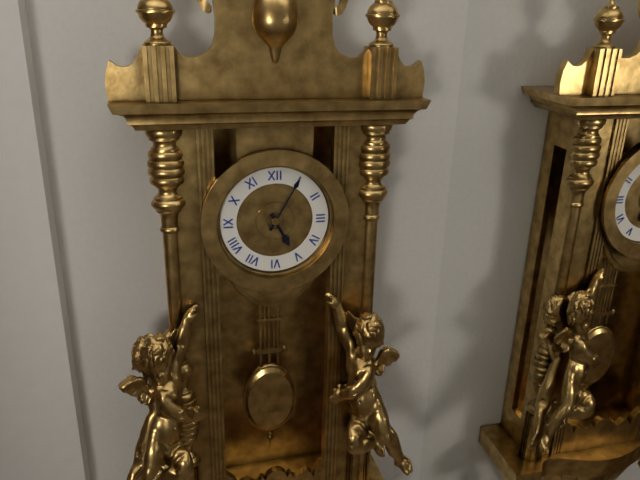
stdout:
**5:05**
